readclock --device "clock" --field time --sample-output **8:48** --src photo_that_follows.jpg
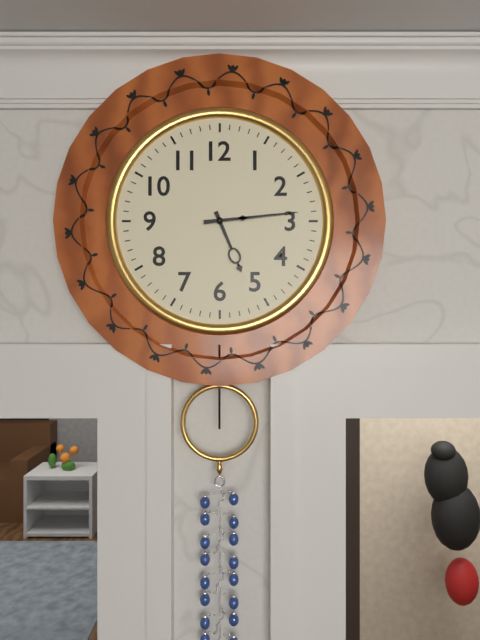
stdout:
**5:14**
